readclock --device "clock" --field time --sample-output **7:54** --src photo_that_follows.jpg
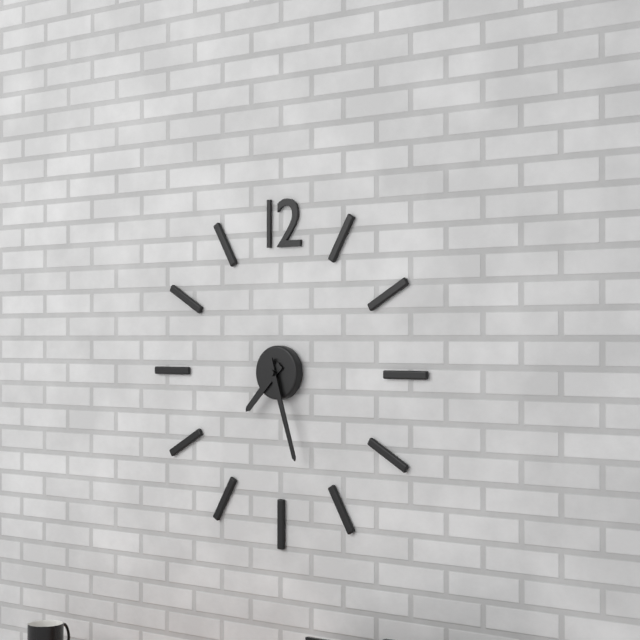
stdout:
**7:27**
